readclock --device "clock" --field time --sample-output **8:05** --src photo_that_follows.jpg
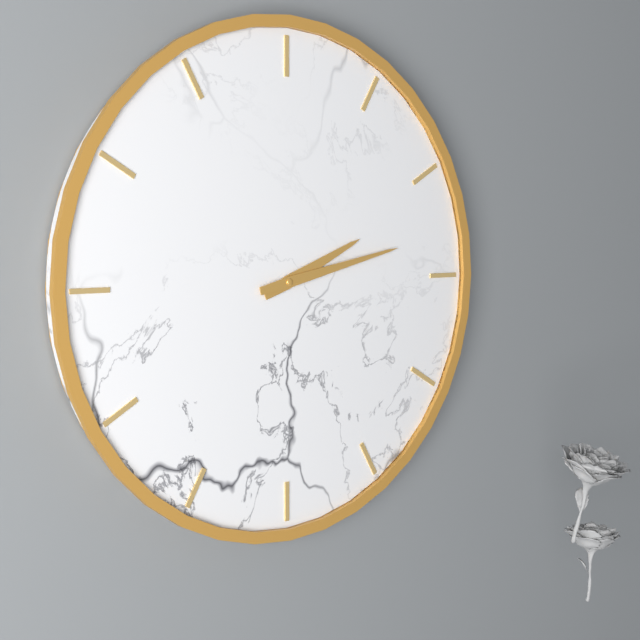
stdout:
**2:13**
